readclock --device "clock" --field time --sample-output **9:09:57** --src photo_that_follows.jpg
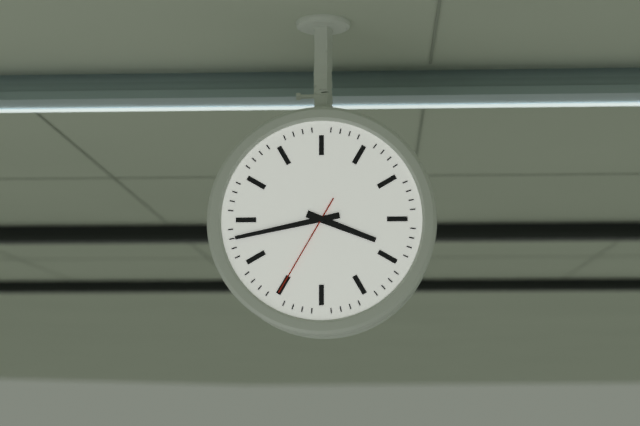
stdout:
**3:43:35**
